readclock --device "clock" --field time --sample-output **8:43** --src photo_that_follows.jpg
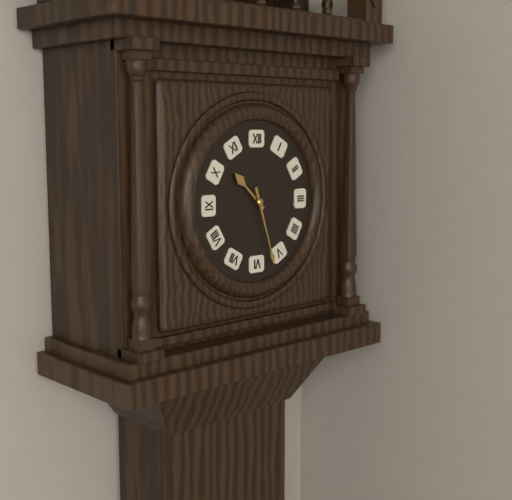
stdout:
**10:27**
